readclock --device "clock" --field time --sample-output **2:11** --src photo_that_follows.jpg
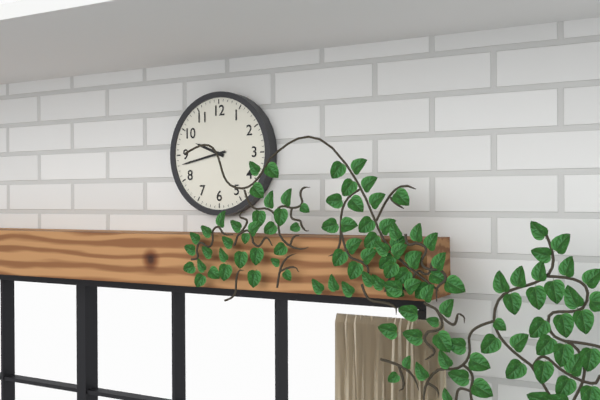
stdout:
**9:43**
